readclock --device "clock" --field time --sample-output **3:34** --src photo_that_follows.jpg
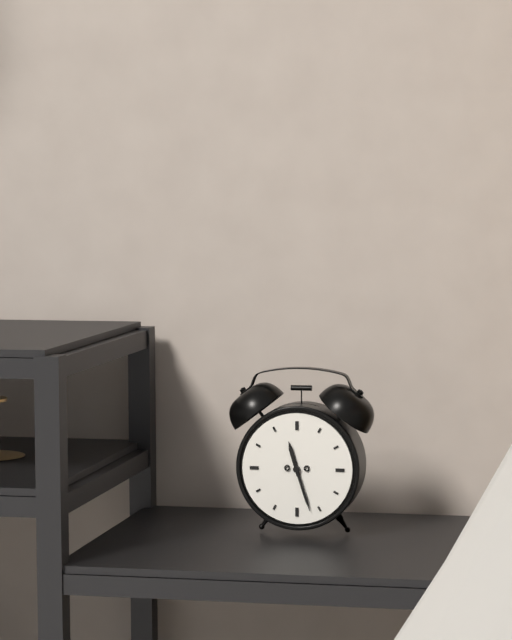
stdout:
**11:27**
